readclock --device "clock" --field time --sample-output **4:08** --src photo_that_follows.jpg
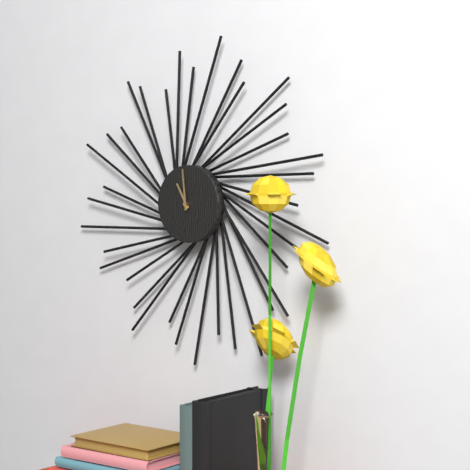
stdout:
**10:59**
